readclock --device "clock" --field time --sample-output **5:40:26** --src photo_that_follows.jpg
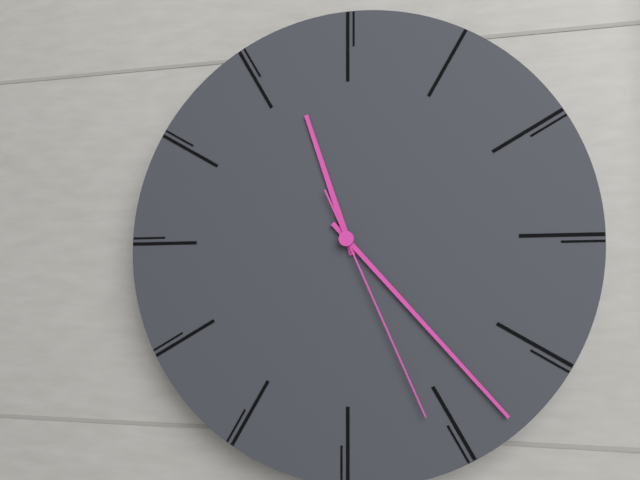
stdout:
**11:23:26**
